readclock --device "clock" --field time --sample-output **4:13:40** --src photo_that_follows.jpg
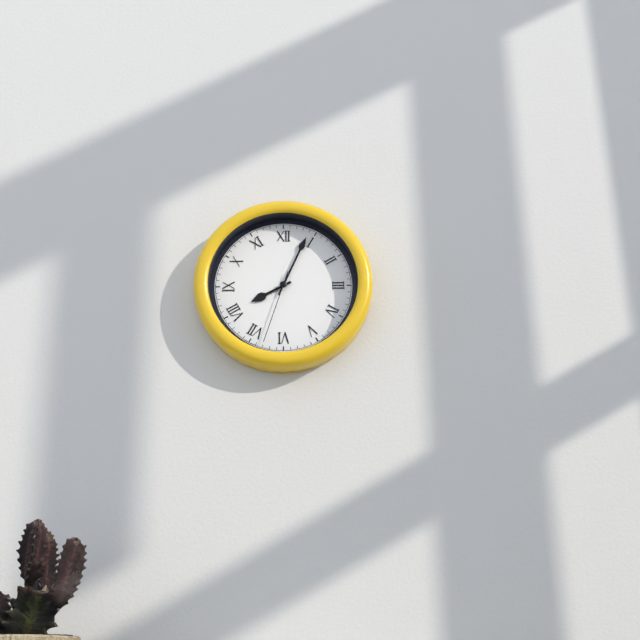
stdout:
**8:04:33**
